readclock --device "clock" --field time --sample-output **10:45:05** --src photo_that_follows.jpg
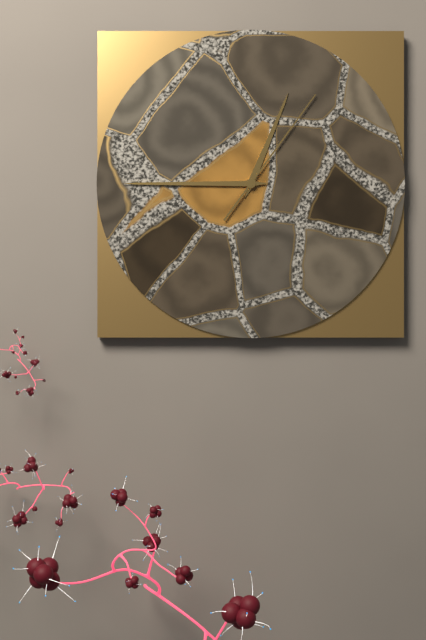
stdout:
**12:45:06**
